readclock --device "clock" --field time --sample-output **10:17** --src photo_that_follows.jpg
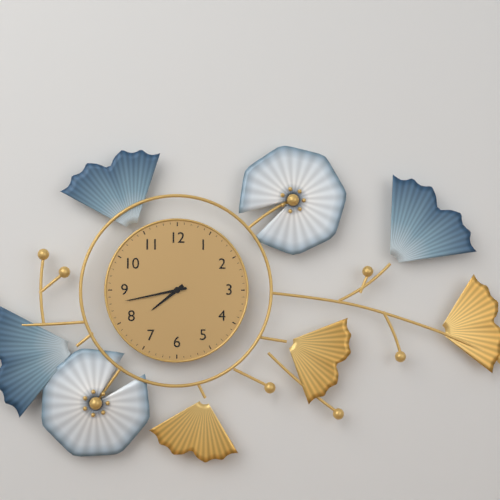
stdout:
**7:43**
